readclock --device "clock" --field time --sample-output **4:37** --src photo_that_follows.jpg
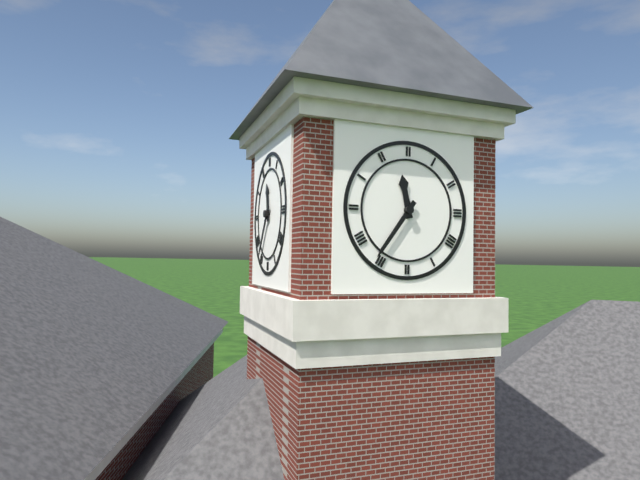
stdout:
**11:36**
